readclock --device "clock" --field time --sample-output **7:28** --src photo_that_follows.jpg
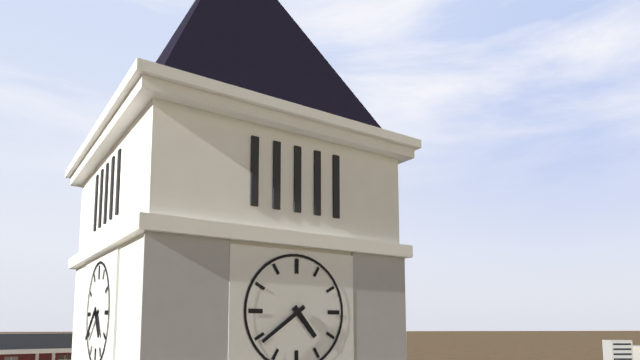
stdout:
**4:39**
